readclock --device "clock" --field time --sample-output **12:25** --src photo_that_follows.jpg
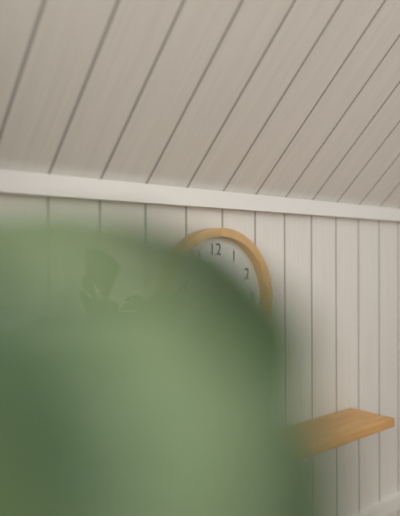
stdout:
**6:27**
